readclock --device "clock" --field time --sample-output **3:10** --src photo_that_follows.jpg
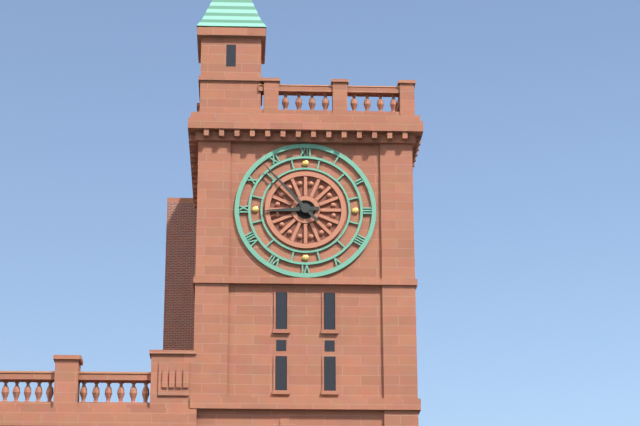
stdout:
**8:53**
